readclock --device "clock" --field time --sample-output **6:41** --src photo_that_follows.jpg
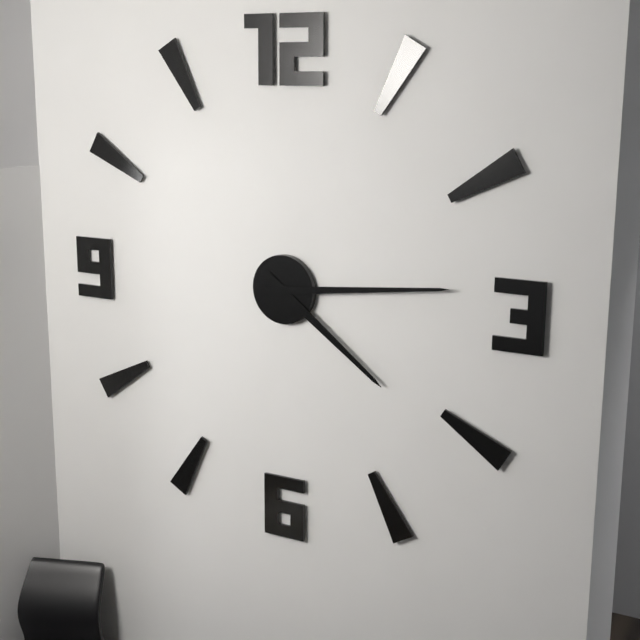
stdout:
**4:14**
